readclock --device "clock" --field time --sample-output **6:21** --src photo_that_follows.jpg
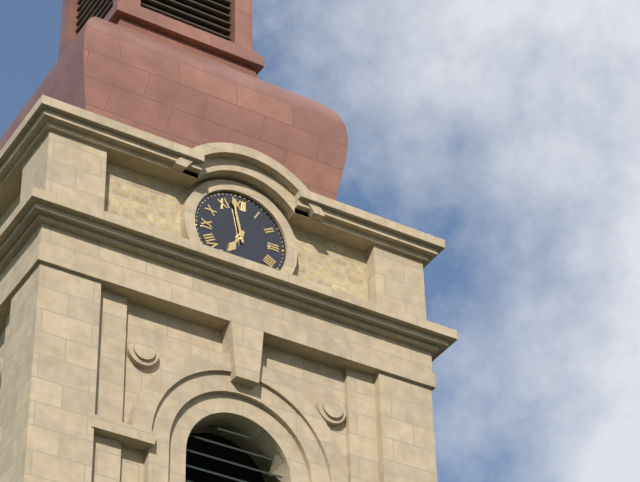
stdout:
**6:58**
